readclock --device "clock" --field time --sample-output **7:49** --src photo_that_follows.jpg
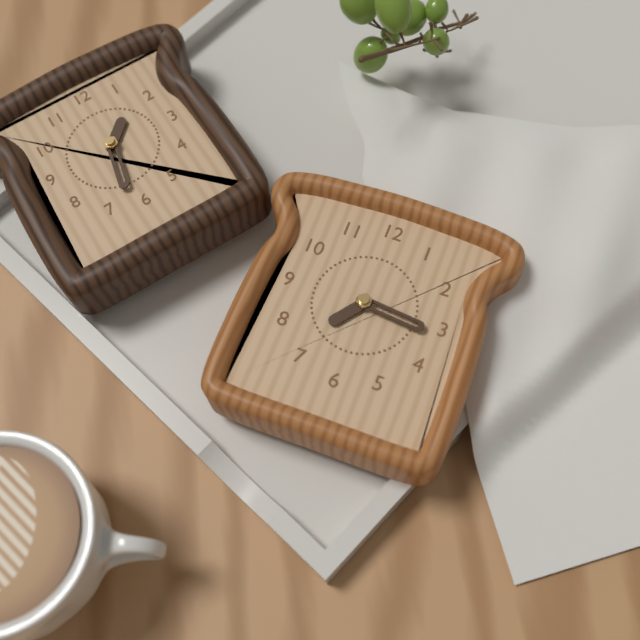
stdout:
**7:16**
